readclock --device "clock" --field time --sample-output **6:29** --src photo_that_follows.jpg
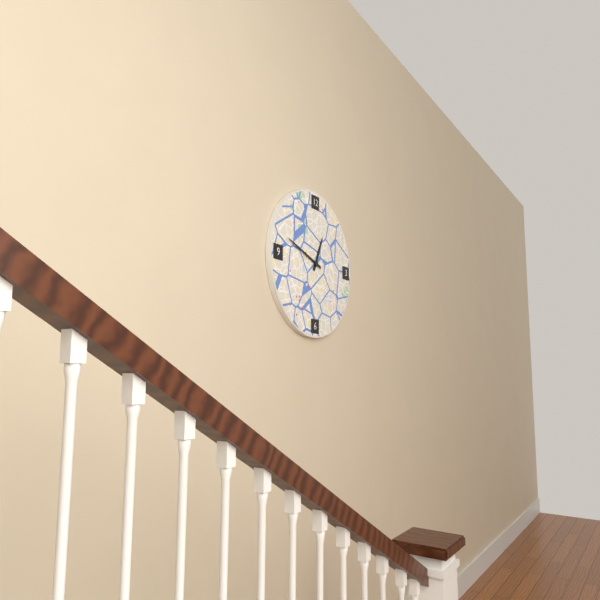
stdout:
**12:48**
